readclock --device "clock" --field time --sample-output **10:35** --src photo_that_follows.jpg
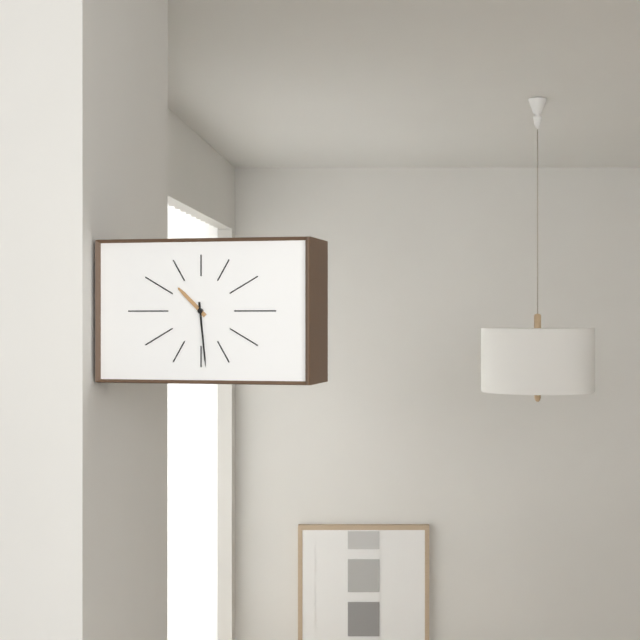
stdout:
**10:29**
